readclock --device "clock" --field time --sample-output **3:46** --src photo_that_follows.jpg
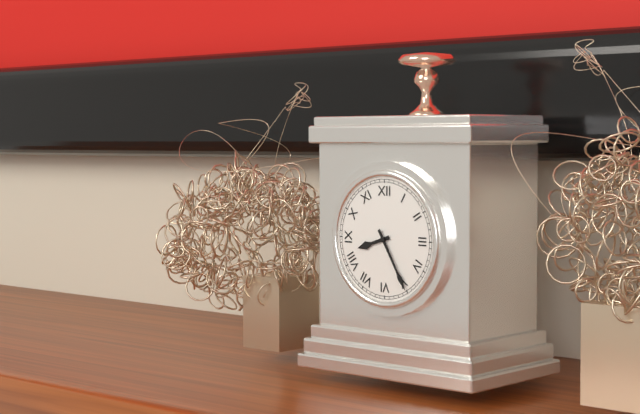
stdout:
**8:25**
